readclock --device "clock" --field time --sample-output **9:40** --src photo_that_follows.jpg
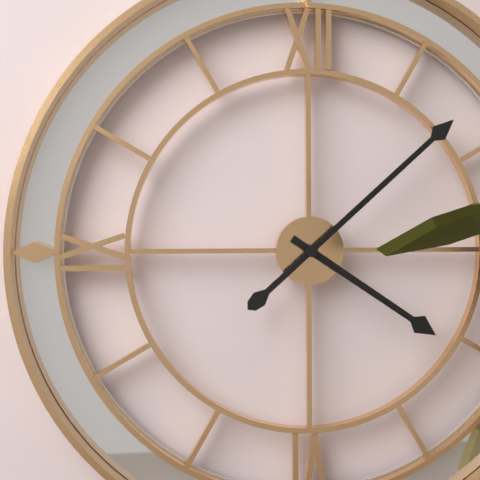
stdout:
**4:08**
